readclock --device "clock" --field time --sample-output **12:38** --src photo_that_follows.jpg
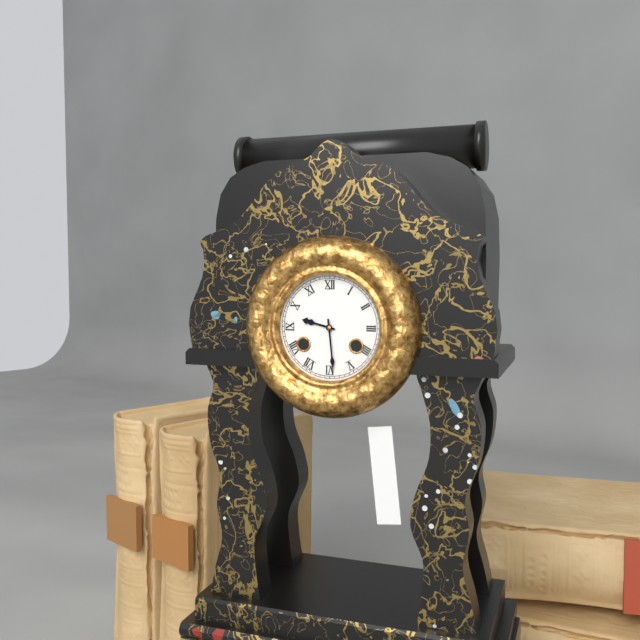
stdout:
**9:29**
